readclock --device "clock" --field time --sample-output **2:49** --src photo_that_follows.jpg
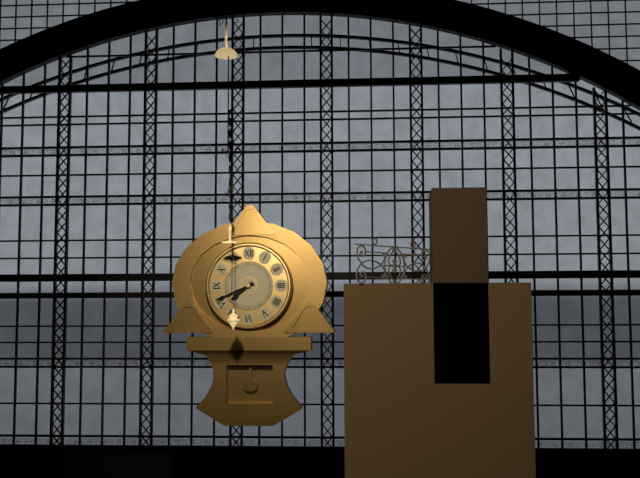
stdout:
**7:41**
